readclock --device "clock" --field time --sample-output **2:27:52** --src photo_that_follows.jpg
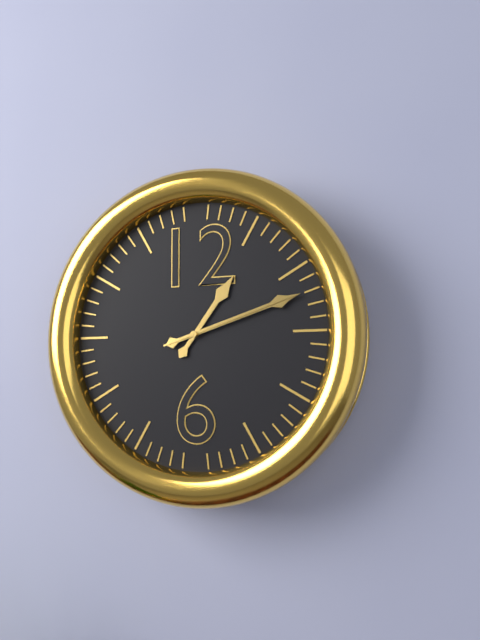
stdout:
**1:12:12**
